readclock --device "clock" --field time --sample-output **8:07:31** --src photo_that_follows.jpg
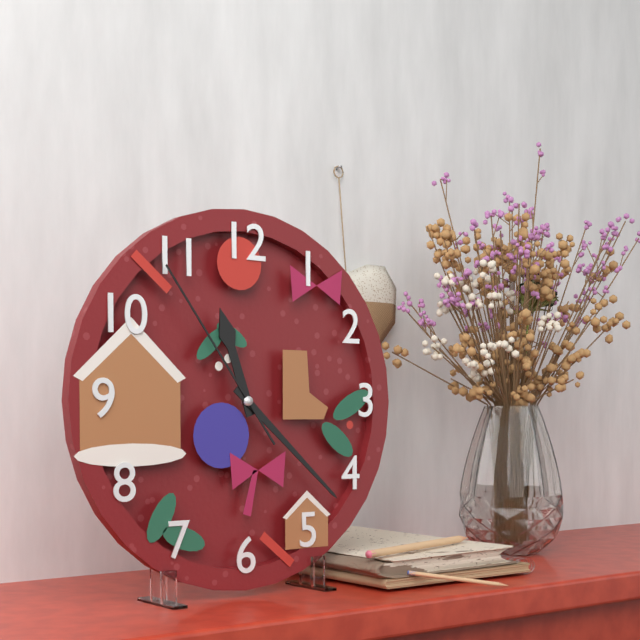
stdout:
**11:22:54**
